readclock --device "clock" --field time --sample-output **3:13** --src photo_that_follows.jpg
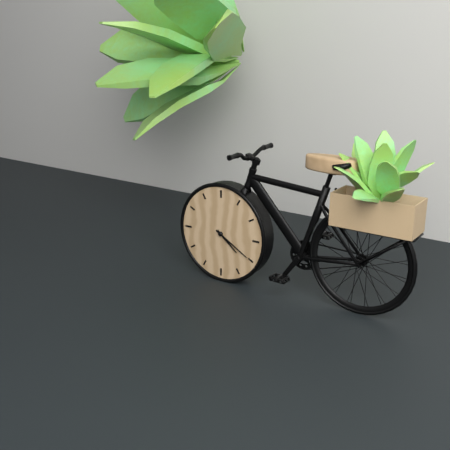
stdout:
**4:20**
